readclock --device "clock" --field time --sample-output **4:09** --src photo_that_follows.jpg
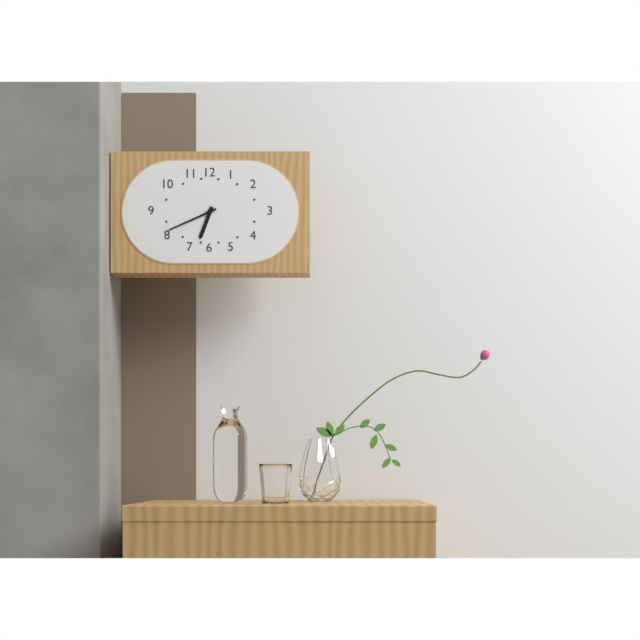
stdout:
**6:41**
